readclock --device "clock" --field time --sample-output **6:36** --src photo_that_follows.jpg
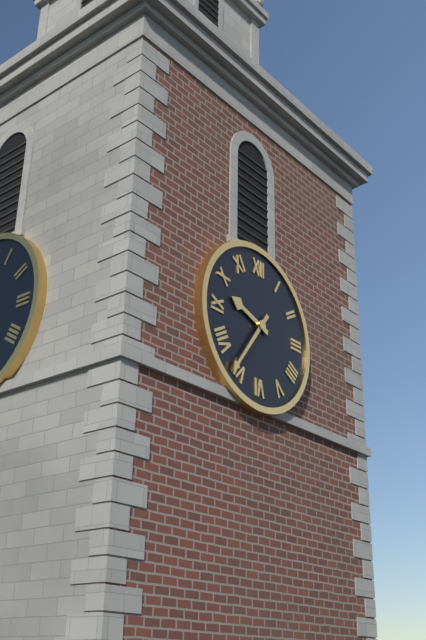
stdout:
**9:36**
